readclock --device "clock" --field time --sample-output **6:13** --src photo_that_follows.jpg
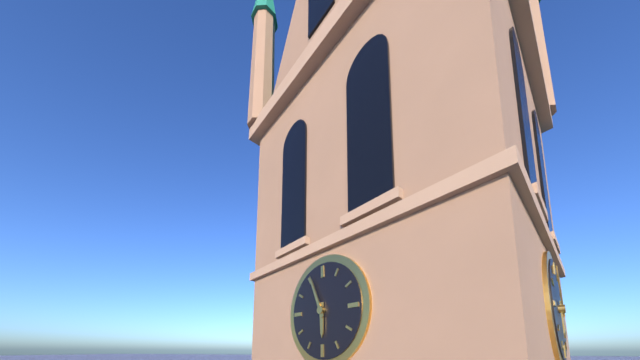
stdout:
**5:56**
